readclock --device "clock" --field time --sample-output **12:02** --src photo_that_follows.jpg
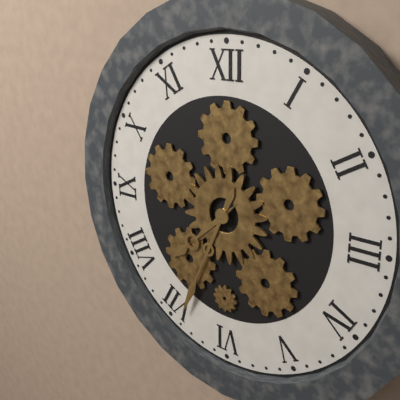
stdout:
**7:34**
